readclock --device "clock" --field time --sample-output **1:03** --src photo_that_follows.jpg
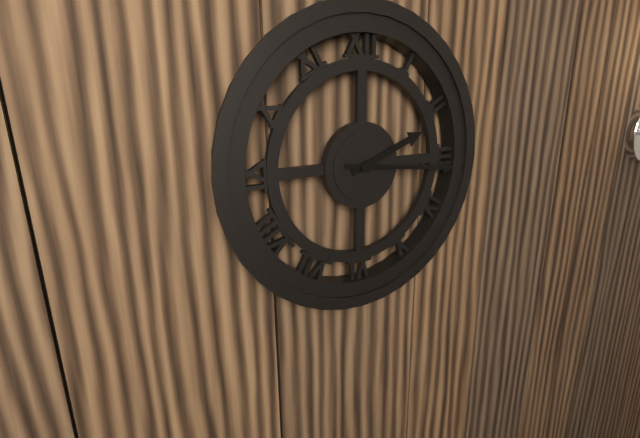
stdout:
**2:16**
